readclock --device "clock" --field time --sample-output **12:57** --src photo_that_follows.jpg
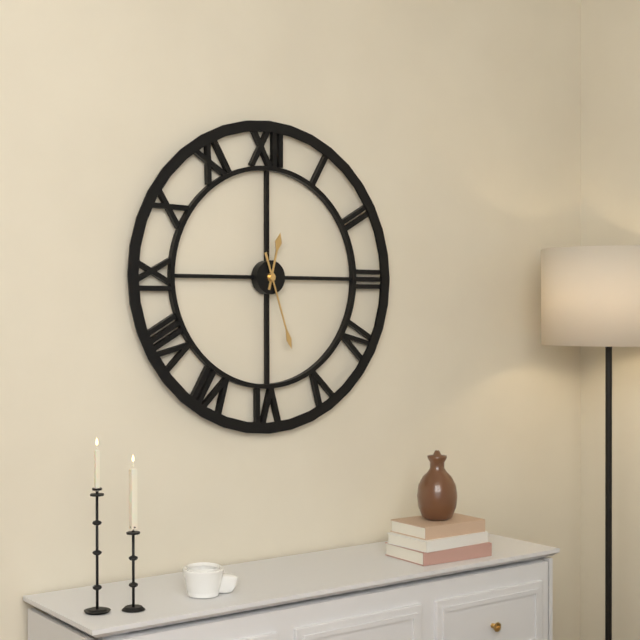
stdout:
**12:27**
